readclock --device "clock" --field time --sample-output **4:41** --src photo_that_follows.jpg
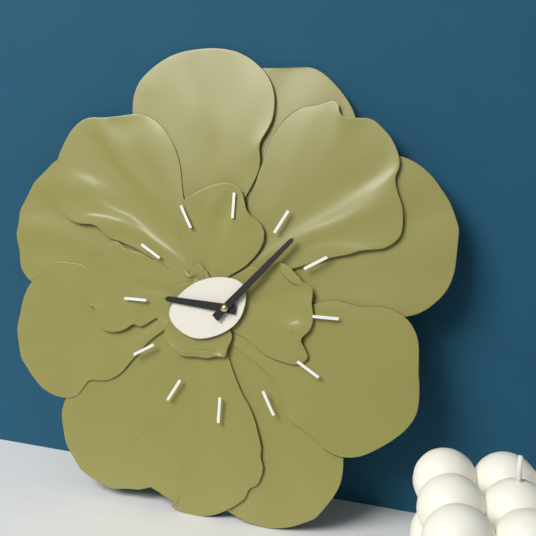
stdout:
**9:07**
